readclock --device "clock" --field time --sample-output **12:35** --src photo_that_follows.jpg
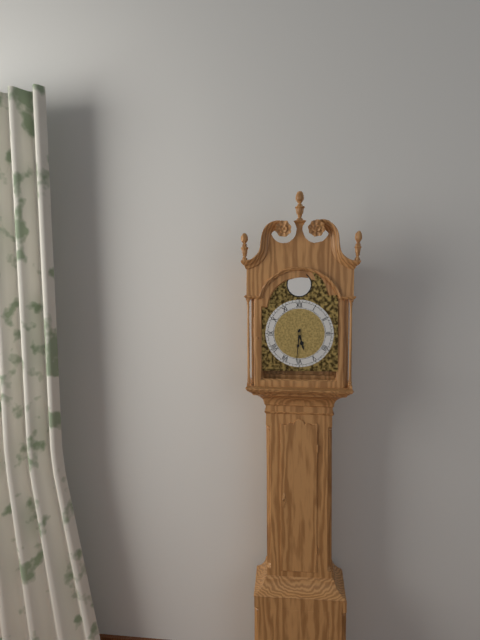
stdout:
**5:31**
